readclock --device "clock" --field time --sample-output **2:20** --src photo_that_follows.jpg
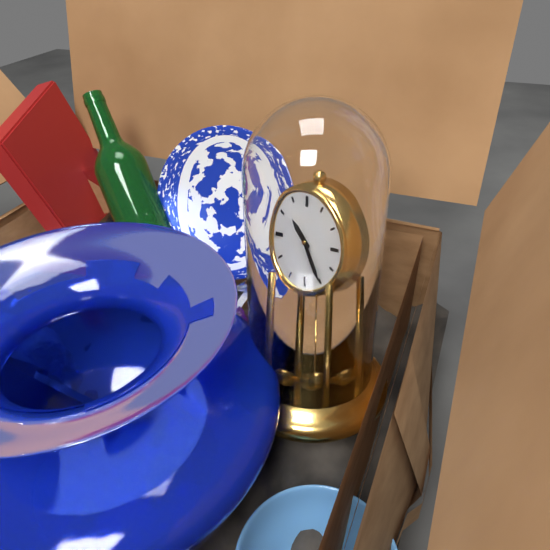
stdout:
**10:25**
